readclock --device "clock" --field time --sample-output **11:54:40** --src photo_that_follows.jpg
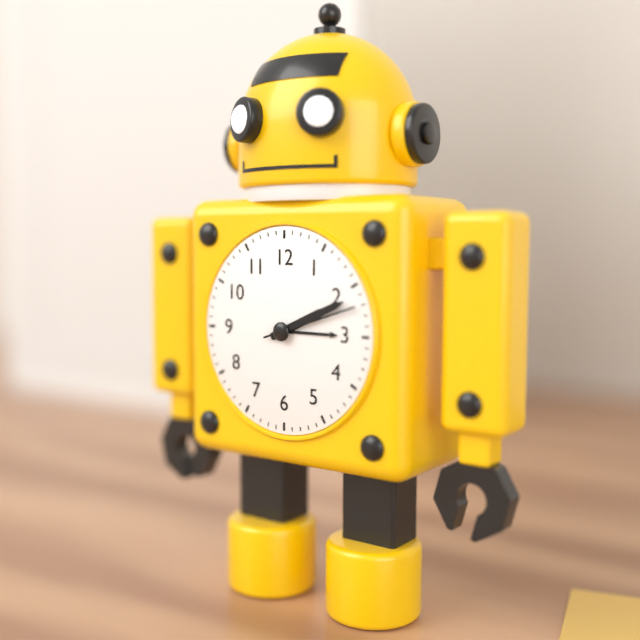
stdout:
**2:11:12**
